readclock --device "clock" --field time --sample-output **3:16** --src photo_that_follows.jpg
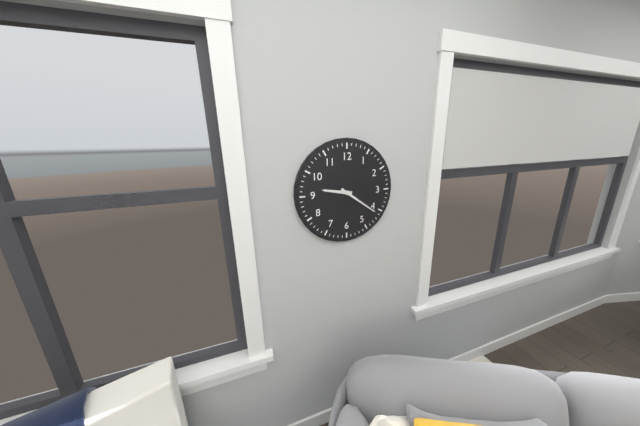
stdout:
**9:21**
